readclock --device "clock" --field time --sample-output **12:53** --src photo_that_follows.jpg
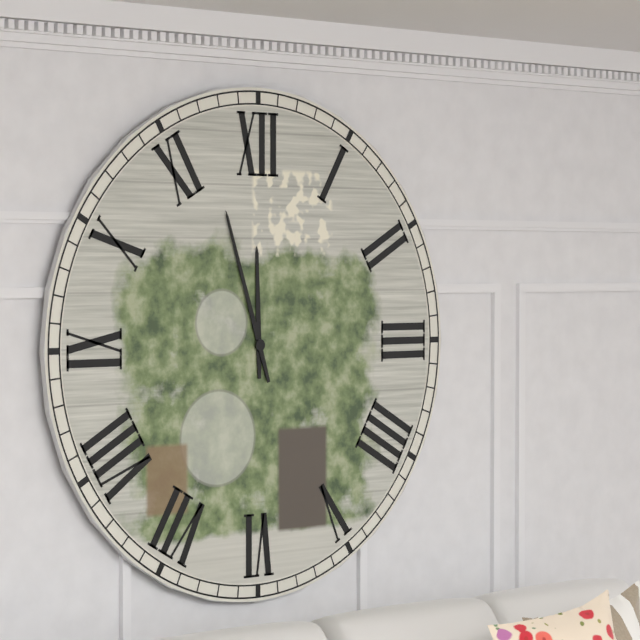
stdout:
**11:57**
